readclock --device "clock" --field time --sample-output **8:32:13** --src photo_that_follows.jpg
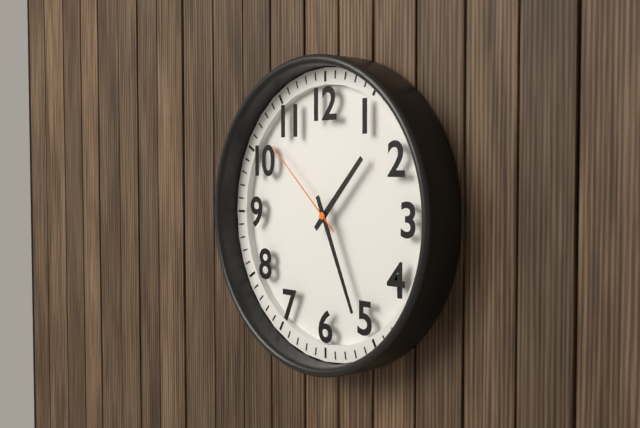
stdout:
**1:26:52**
